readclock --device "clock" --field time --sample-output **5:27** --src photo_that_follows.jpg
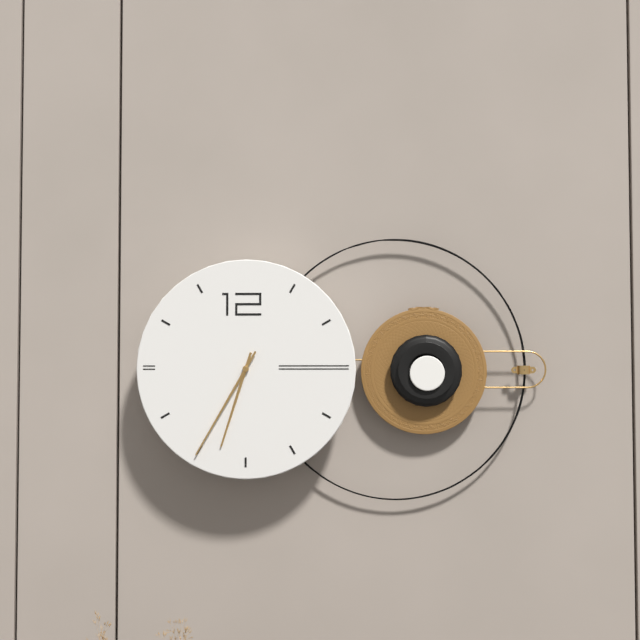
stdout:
**6:35**
